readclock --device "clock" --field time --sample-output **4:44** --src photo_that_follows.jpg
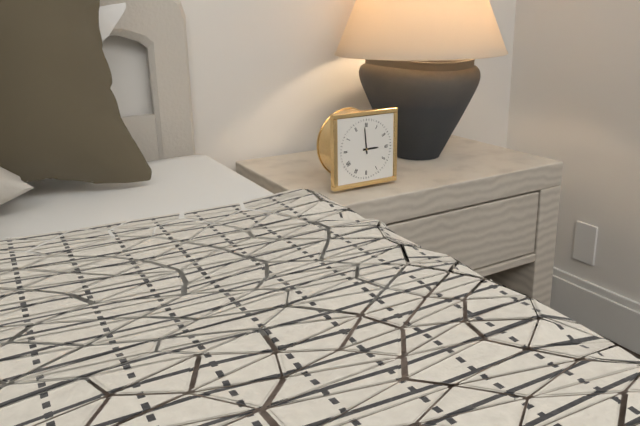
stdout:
**2:59**
